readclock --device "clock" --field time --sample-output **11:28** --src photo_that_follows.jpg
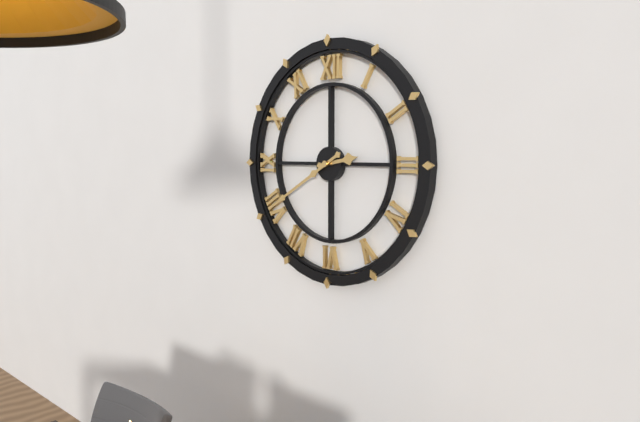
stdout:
**2:40**
